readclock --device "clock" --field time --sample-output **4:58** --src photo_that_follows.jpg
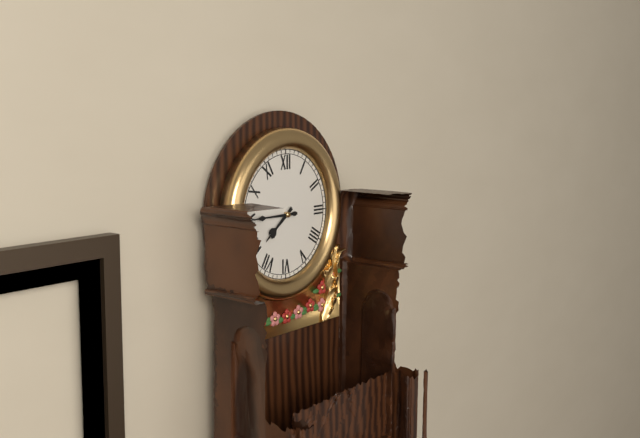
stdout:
**7:45**
